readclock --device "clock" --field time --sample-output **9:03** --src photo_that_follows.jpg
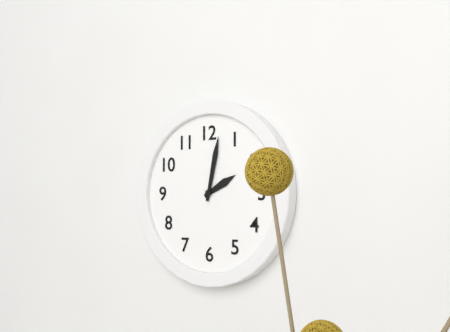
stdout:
**2:02**
